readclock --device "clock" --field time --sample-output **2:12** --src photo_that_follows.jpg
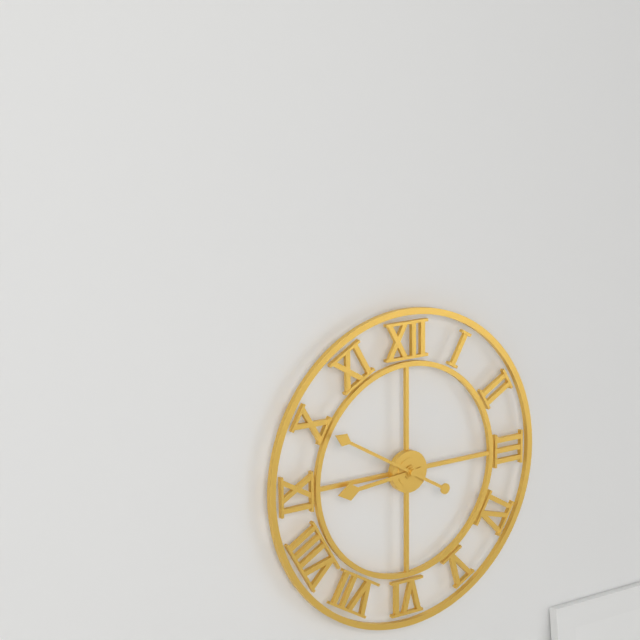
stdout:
**8:50**
